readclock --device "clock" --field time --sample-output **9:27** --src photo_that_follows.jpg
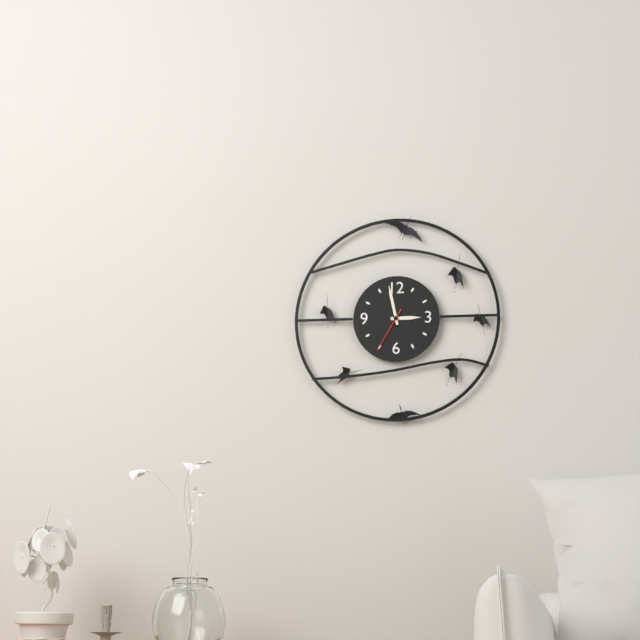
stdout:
**2:58**
